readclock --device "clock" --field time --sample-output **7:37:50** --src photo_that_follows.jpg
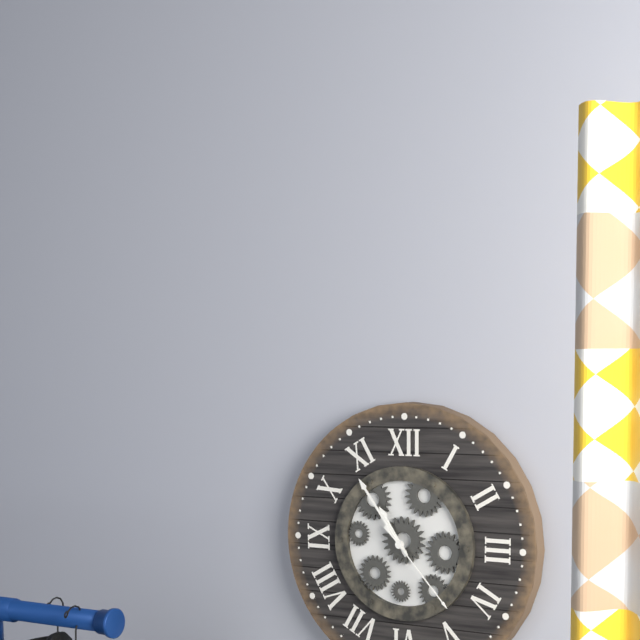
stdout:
**10:54:23**
